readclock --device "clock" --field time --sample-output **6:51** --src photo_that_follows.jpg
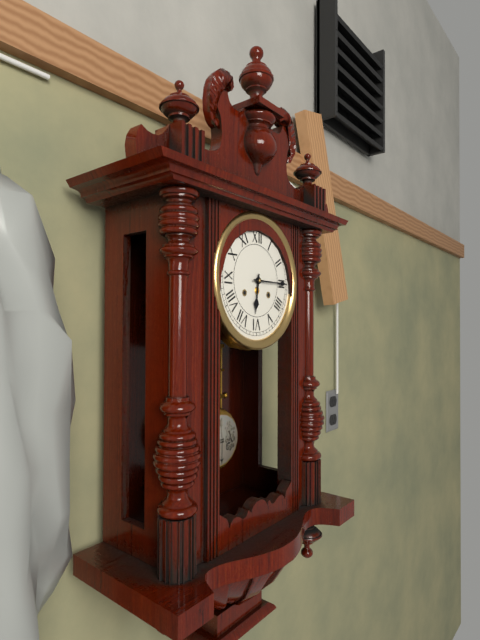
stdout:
**6:15**
